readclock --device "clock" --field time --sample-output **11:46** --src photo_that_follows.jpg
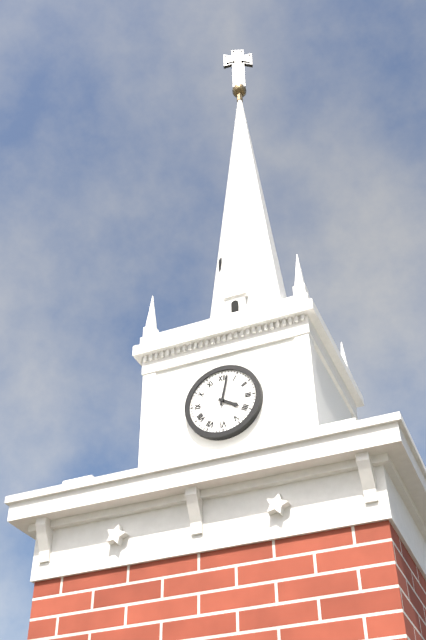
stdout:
**4:02**
